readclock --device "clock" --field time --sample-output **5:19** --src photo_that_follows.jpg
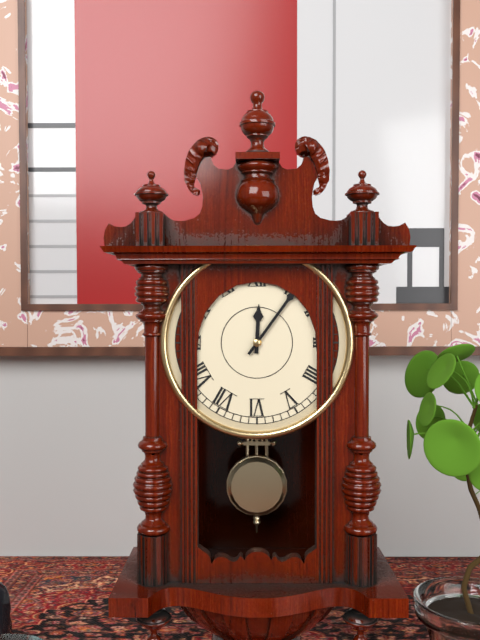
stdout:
**12:06**
